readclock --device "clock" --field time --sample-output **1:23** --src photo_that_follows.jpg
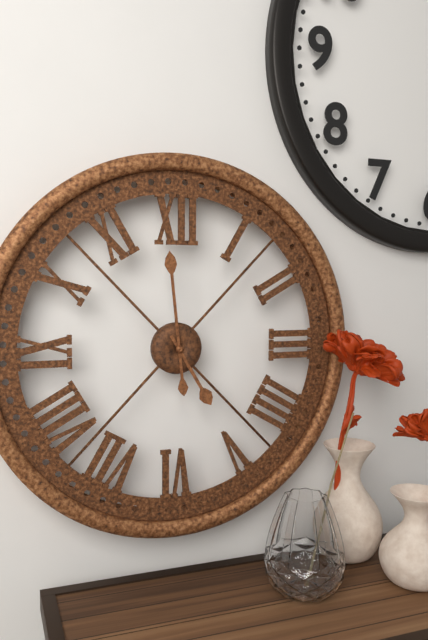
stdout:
**4:59**
